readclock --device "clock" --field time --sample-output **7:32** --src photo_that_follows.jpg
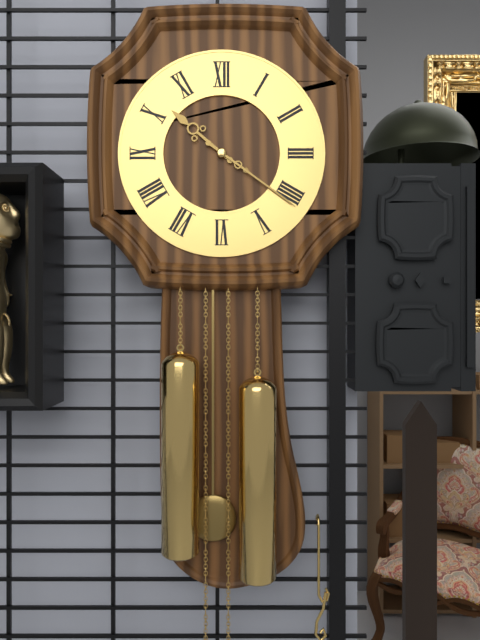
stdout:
**10:21**
